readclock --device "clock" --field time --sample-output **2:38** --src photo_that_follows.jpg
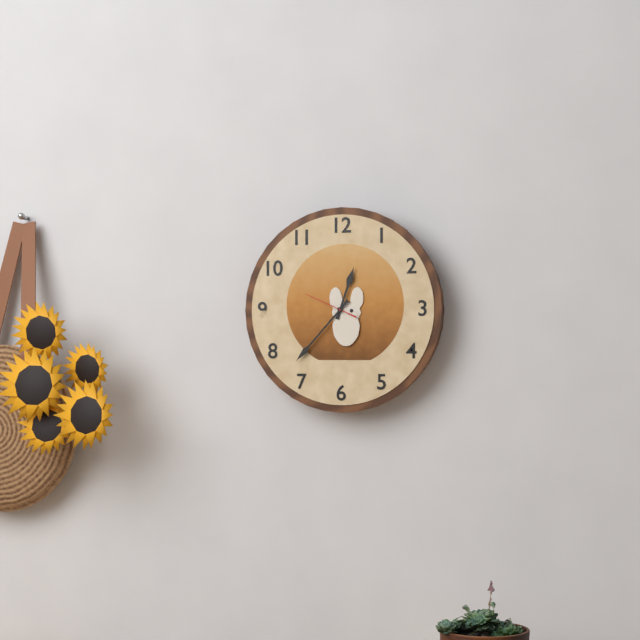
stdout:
**12:37**
